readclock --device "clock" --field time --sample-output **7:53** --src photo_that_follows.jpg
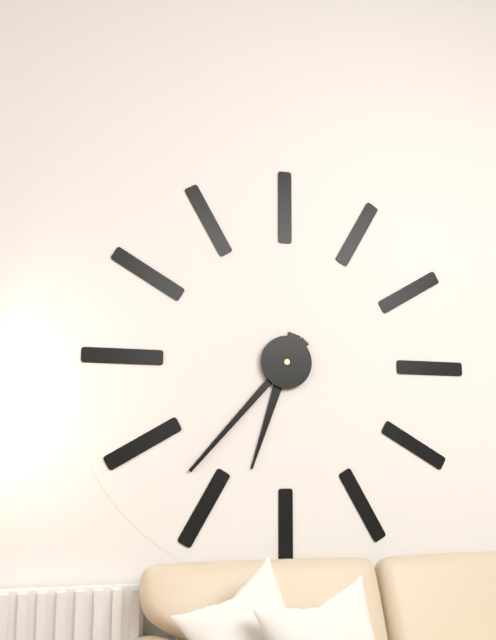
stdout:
**6:37**
